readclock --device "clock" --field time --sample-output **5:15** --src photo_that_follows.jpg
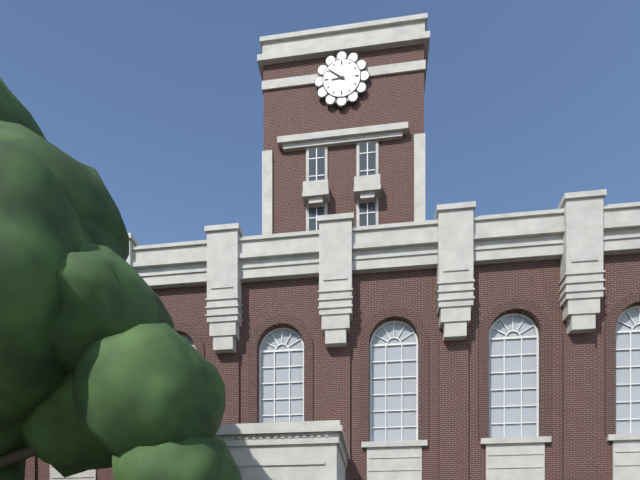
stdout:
**8:51**
